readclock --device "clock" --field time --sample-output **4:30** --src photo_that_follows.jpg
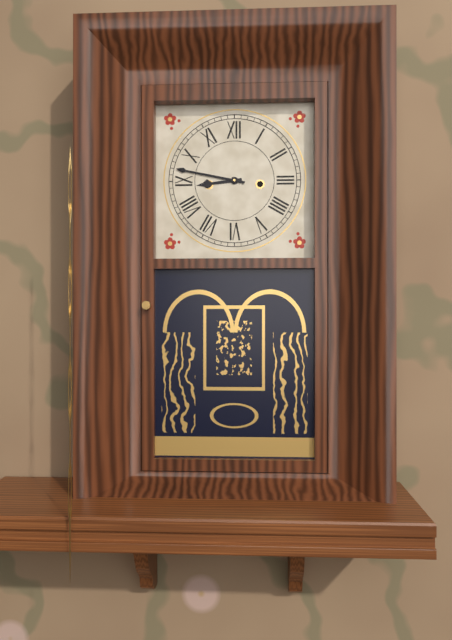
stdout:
**8:47**
